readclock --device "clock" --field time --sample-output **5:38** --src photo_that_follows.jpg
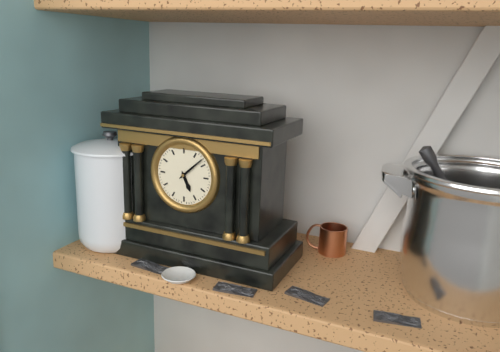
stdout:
**5:08**
